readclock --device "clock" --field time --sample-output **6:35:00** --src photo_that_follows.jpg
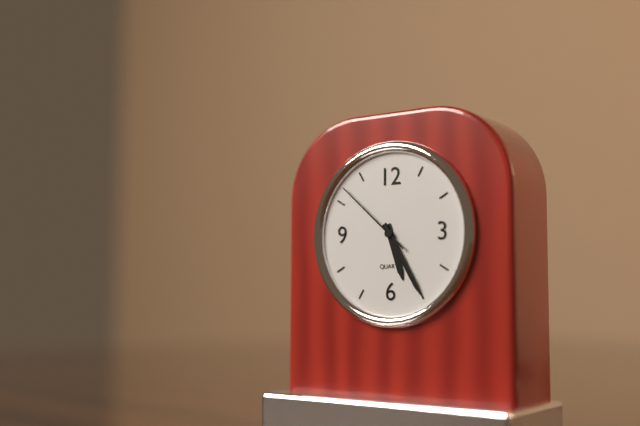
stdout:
**5:25:52**
